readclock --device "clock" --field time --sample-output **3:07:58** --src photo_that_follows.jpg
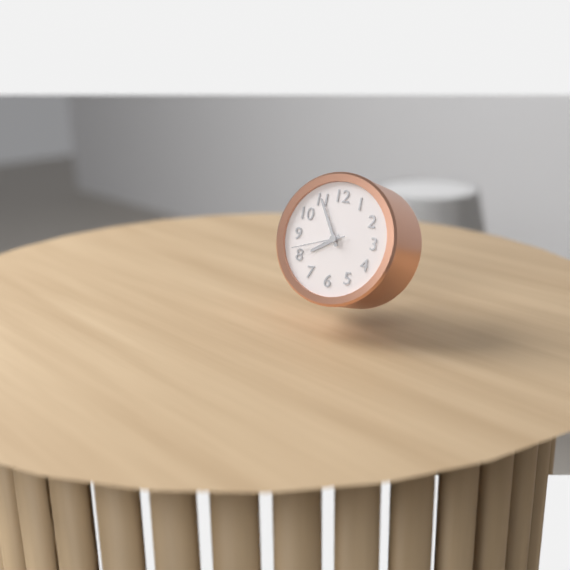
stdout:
**7:55:42**
